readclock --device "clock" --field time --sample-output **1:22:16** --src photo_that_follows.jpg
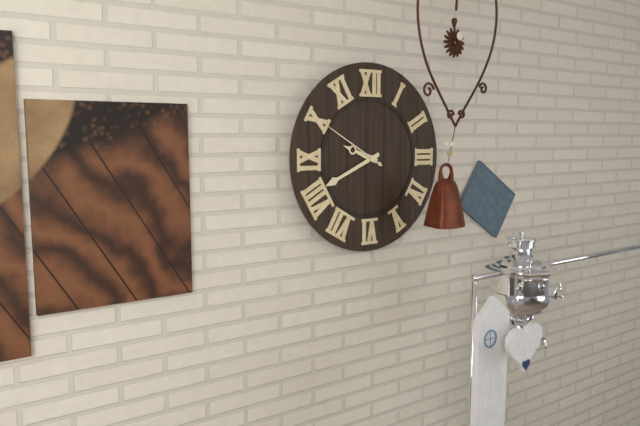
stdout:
**9:41:50**
